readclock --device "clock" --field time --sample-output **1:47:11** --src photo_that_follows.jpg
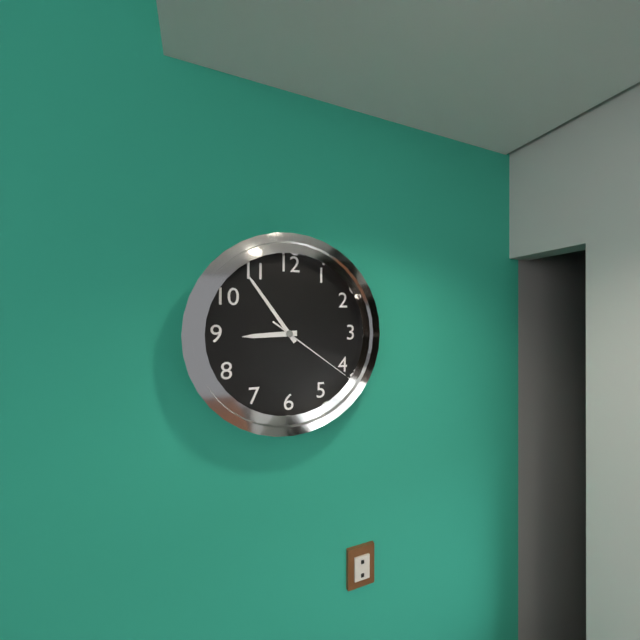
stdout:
**8:54:21**
